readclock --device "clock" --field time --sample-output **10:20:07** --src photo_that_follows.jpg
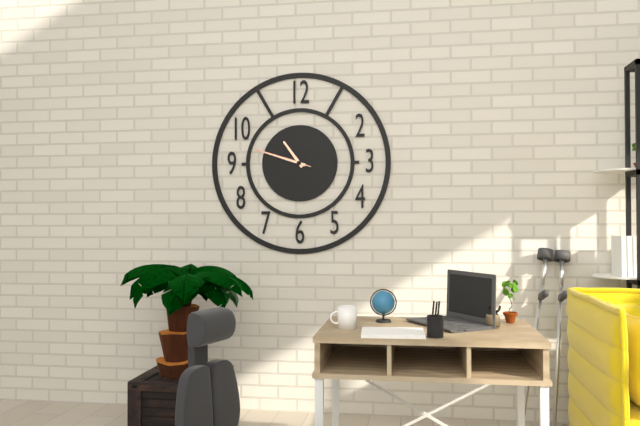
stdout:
**10:48:48**
